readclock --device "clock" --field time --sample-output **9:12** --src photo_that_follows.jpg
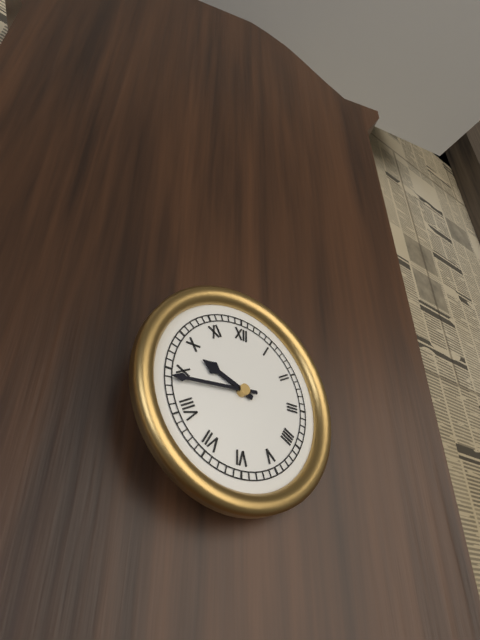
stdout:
**9:44**
